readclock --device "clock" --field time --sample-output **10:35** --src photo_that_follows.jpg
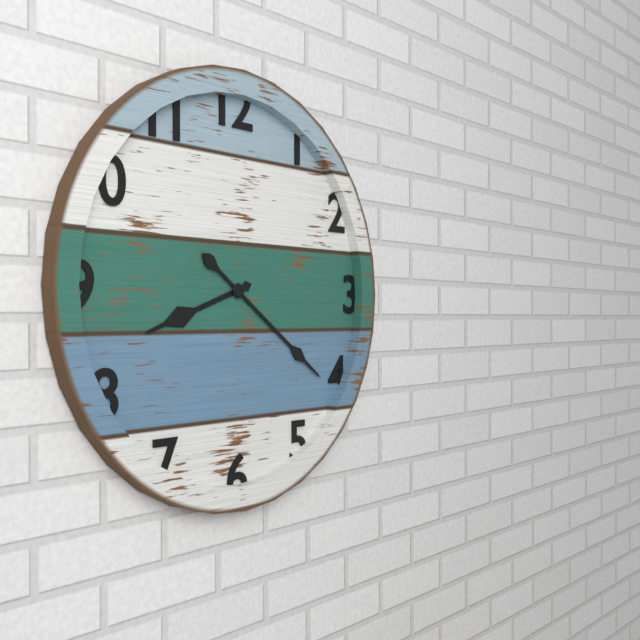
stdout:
**8:21**
